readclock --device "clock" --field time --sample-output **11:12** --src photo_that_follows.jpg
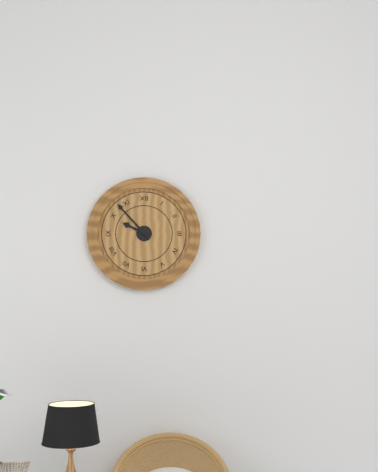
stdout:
**9:53**
